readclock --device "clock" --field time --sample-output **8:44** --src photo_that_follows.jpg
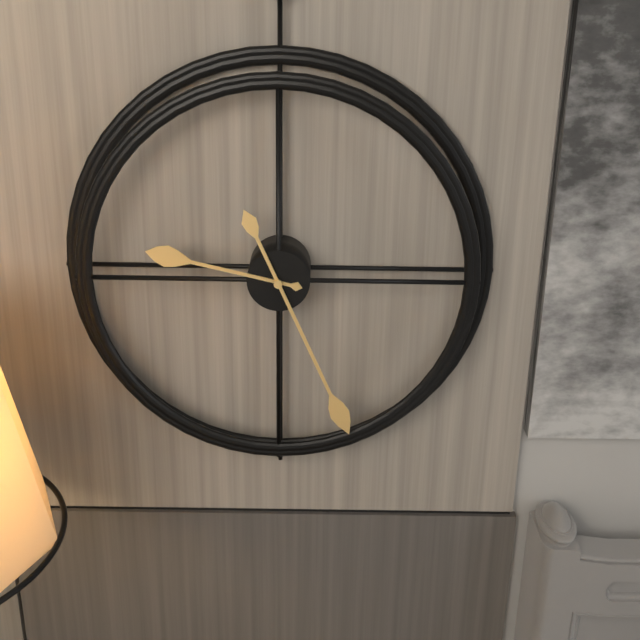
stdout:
**9:26**
